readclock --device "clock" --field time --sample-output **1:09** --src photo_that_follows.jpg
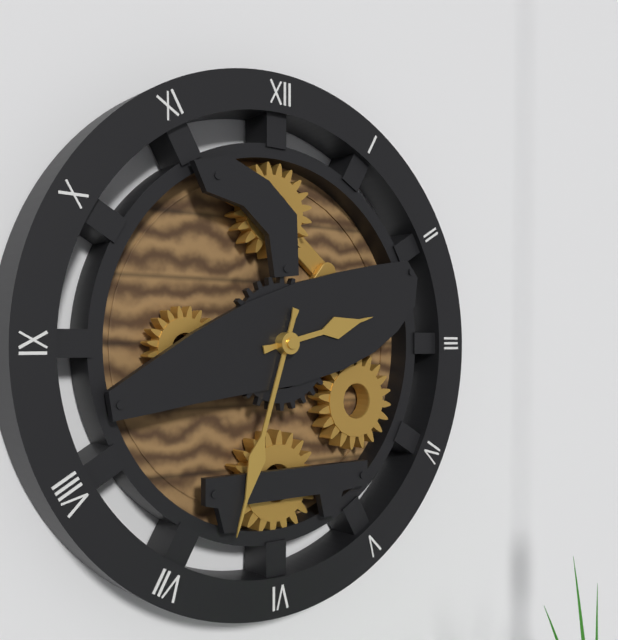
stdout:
**2:33**
